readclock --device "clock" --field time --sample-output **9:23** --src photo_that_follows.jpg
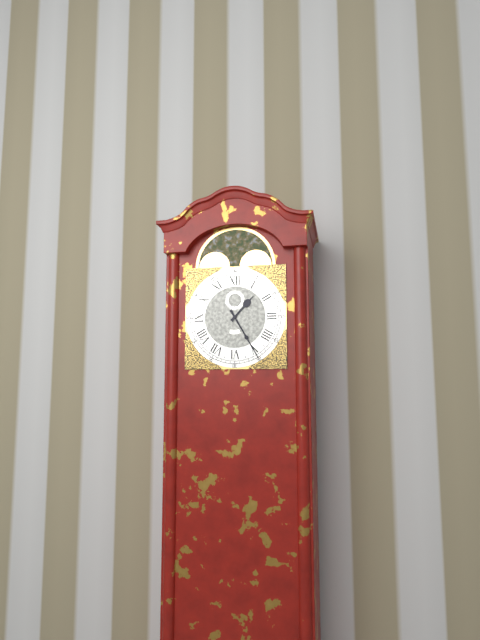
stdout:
**1:25**
